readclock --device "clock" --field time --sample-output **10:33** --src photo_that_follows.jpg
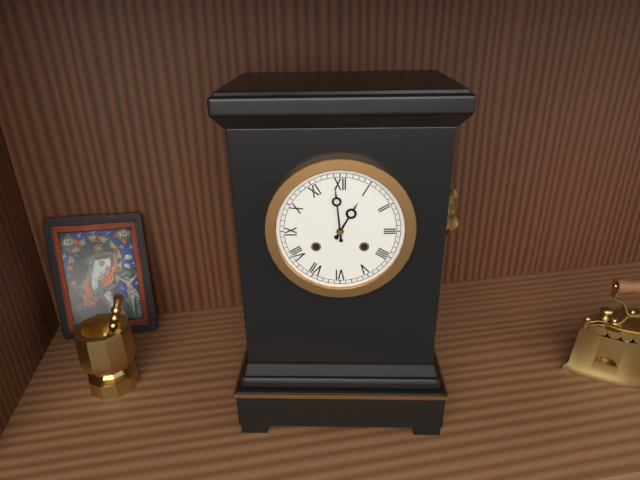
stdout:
**12:59**
